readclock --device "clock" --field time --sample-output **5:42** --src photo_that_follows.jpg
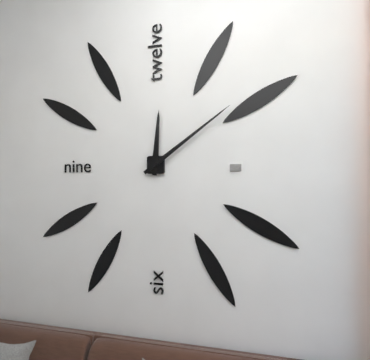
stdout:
**12:09**
